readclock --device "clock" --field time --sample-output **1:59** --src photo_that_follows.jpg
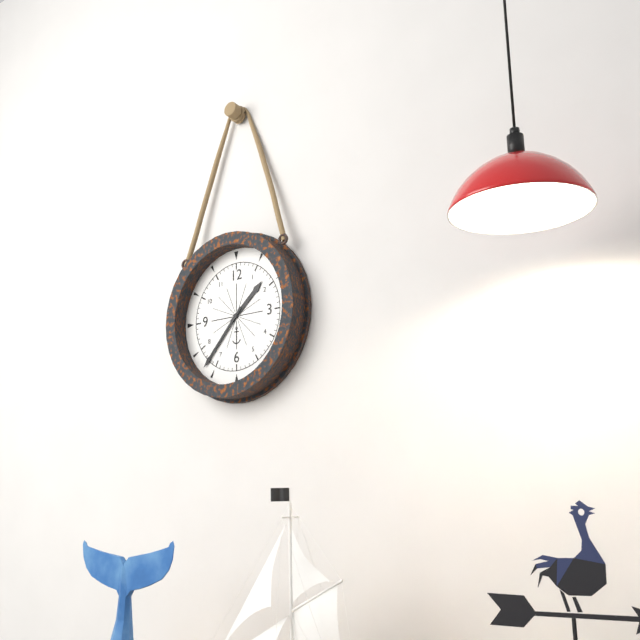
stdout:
**1:37**
